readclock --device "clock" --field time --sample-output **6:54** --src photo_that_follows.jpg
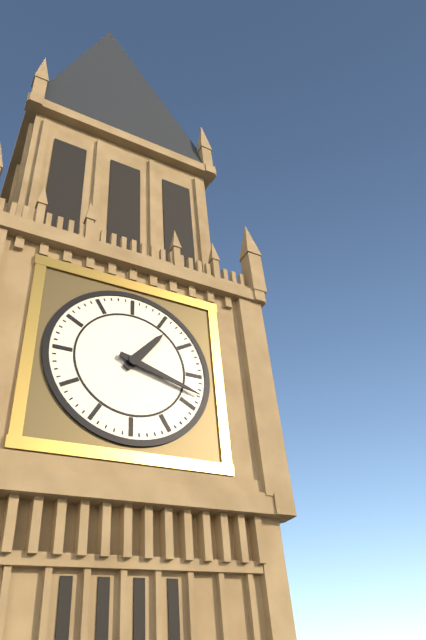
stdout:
**1:18**
